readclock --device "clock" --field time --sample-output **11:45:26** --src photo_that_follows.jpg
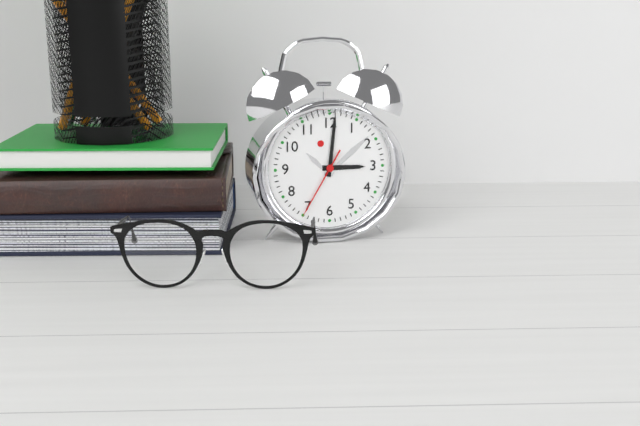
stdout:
**3:01:35**
